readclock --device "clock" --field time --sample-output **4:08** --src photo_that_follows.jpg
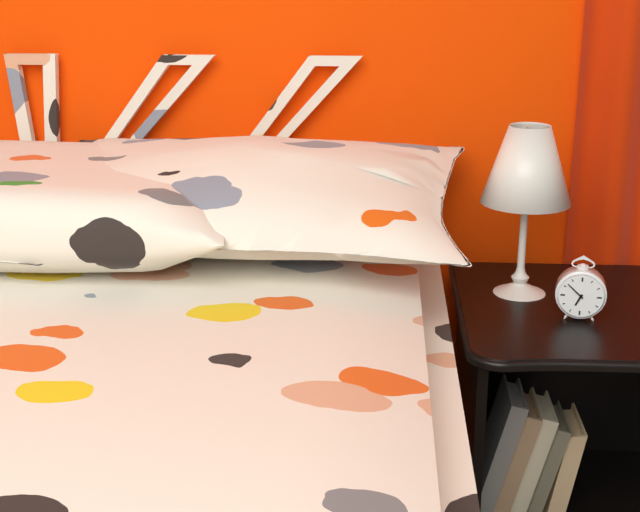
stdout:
**6:52**
